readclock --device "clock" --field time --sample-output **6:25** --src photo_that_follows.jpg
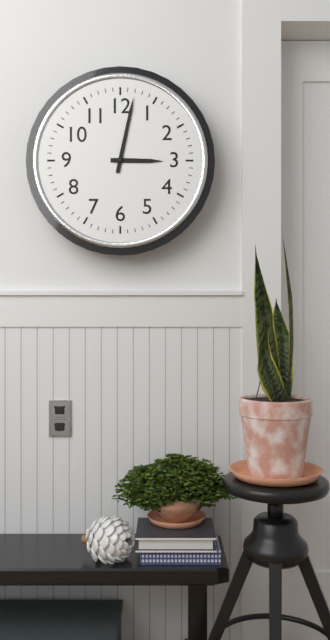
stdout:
**3:02**
